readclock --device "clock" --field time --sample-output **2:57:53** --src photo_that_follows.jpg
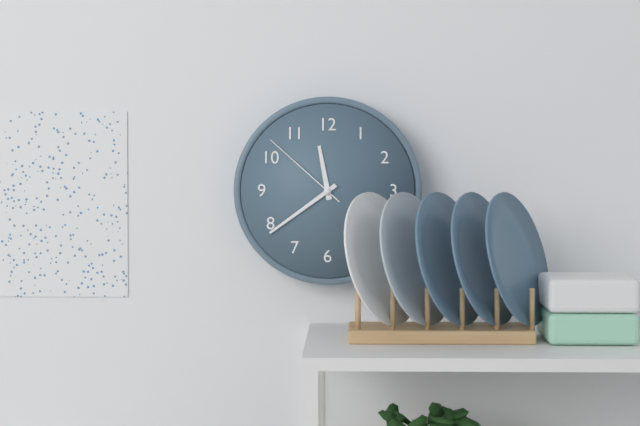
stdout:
**11:39:52**
